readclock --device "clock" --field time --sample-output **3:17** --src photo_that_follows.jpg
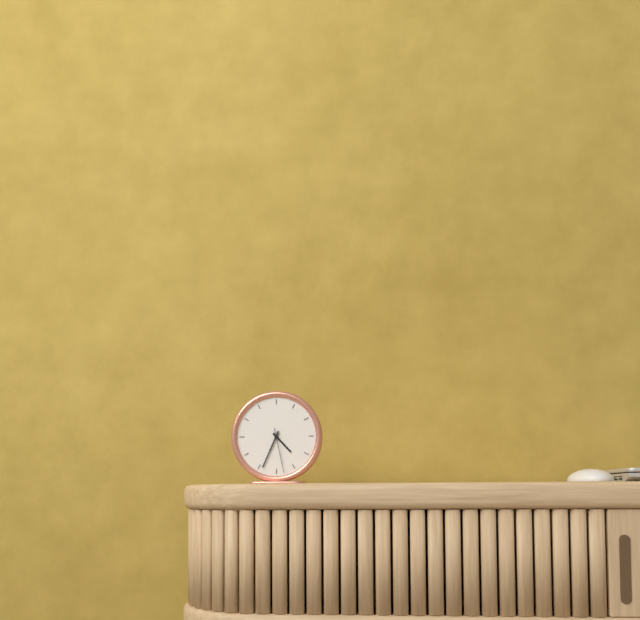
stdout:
**4:34**
